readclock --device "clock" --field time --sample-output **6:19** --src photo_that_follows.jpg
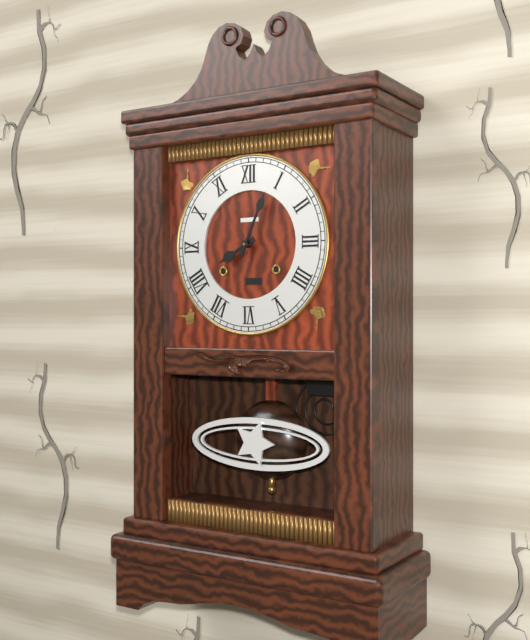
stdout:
**8:04**
